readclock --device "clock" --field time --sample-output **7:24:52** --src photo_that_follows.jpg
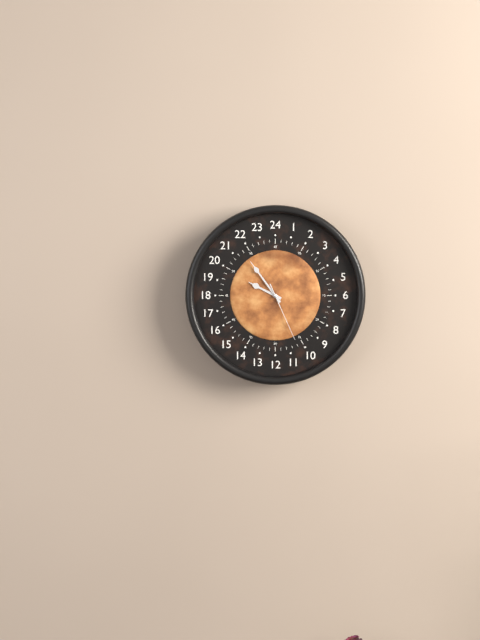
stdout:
**9:54:26**
